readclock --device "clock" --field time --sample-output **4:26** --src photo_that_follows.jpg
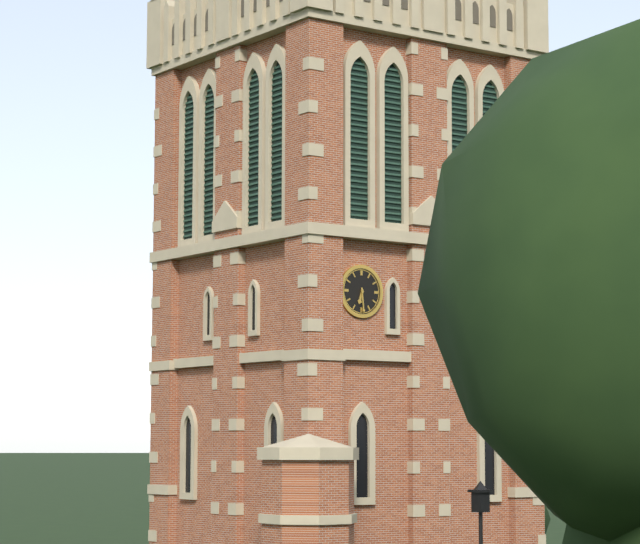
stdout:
**6:29**
